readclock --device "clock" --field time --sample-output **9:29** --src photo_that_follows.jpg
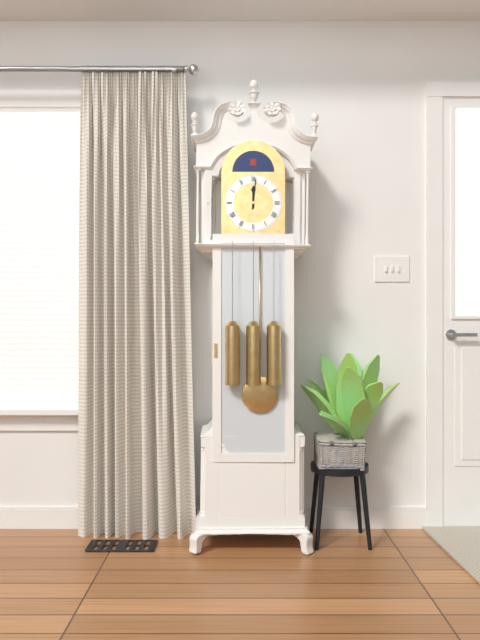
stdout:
**12:01**
